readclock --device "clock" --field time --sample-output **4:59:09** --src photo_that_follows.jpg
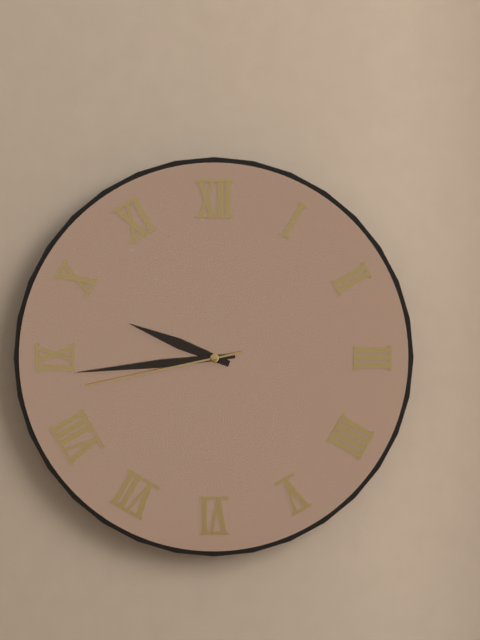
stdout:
**9:44:43**
